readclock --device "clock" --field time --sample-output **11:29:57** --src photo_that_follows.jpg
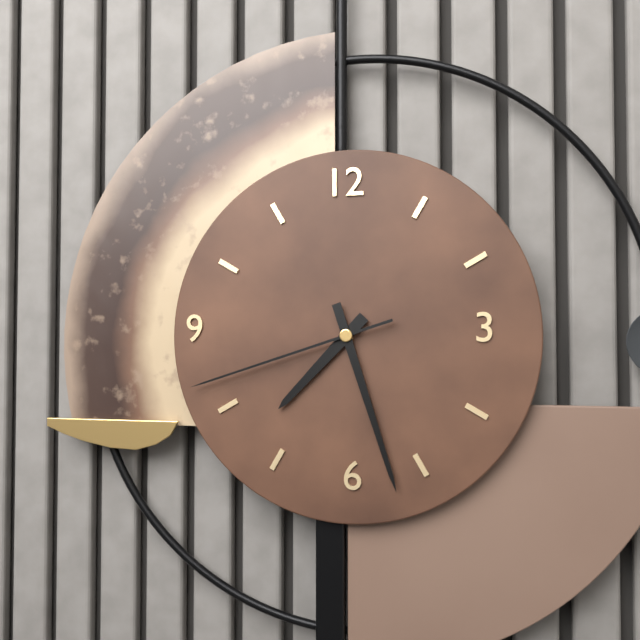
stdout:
**7:27:42**
